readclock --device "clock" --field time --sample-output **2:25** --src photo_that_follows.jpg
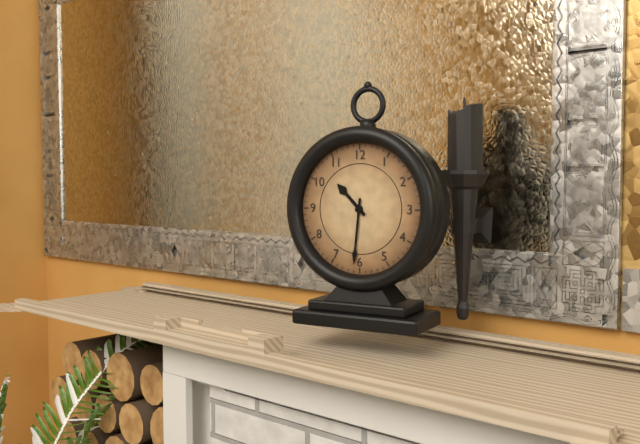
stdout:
**10:31**
